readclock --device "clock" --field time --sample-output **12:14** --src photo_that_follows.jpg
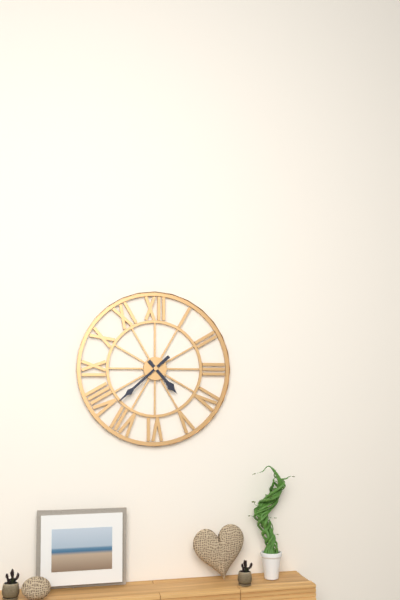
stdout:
**4:38**
